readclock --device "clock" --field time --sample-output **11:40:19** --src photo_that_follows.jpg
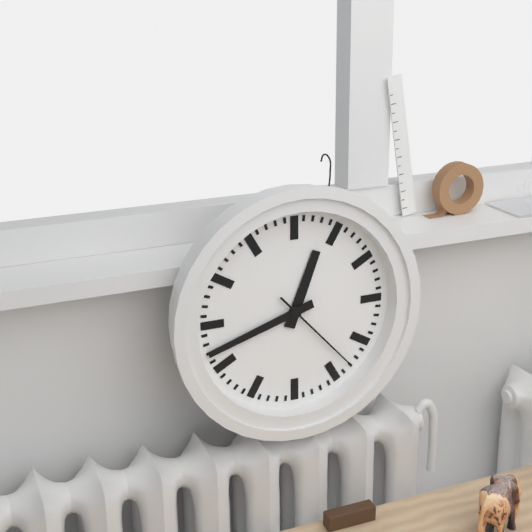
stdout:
**12:42:23**
